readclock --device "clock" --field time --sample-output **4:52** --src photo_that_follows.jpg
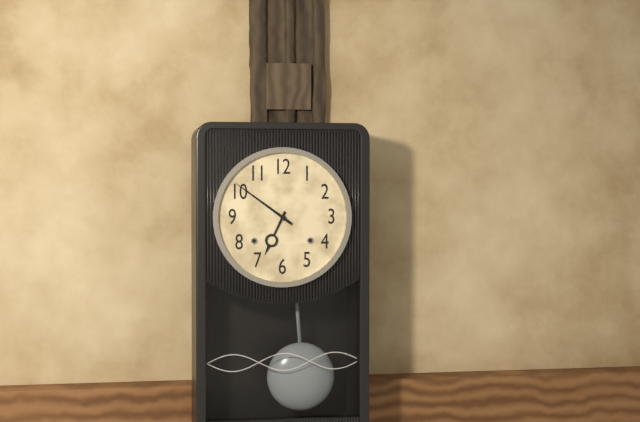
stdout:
**6:51**
